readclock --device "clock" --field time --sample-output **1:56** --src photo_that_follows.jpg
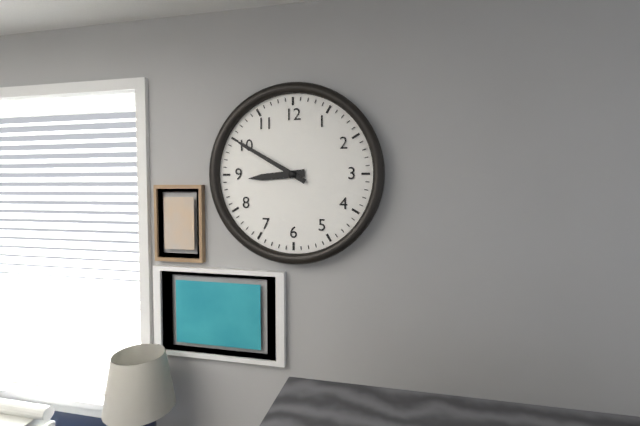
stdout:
**8:50**
